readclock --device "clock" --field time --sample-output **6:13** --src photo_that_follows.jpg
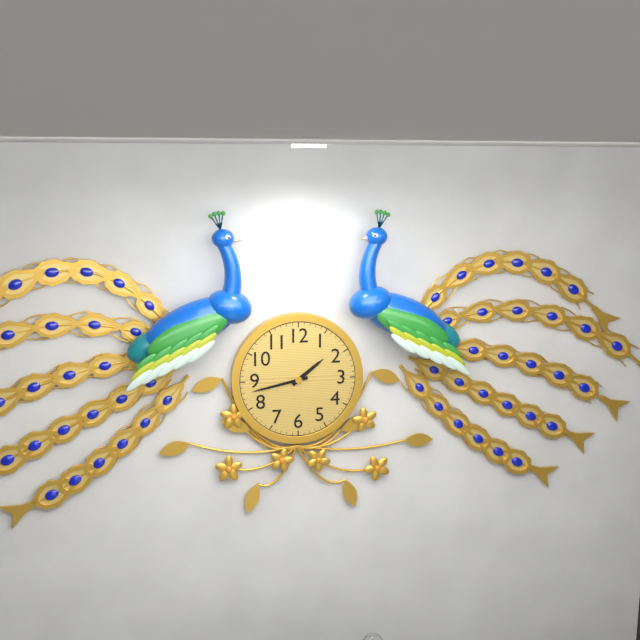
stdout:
**1:43**
